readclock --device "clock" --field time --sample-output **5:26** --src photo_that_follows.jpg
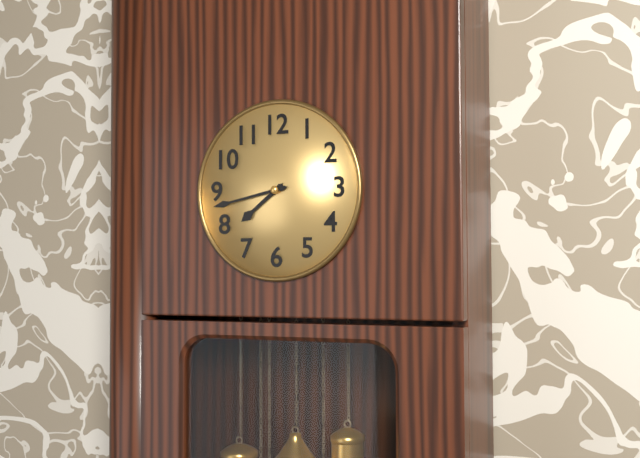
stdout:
**7:43**
